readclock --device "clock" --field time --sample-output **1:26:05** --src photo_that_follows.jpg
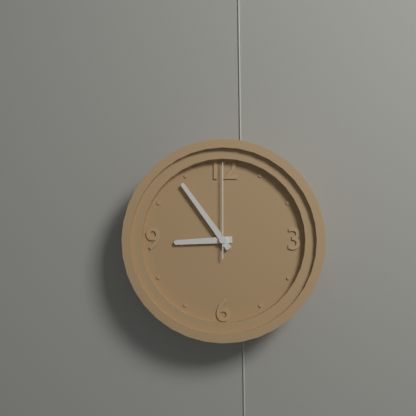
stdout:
**8:54:00**
